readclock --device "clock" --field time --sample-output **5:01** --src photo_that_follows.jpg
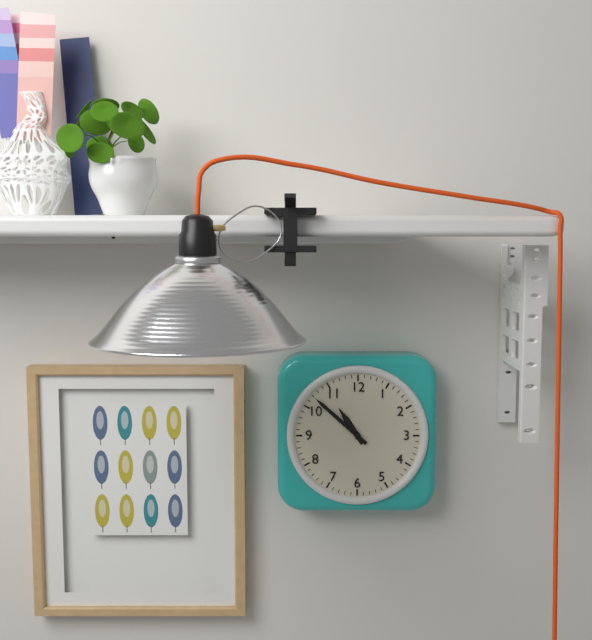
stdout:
**10:52**
